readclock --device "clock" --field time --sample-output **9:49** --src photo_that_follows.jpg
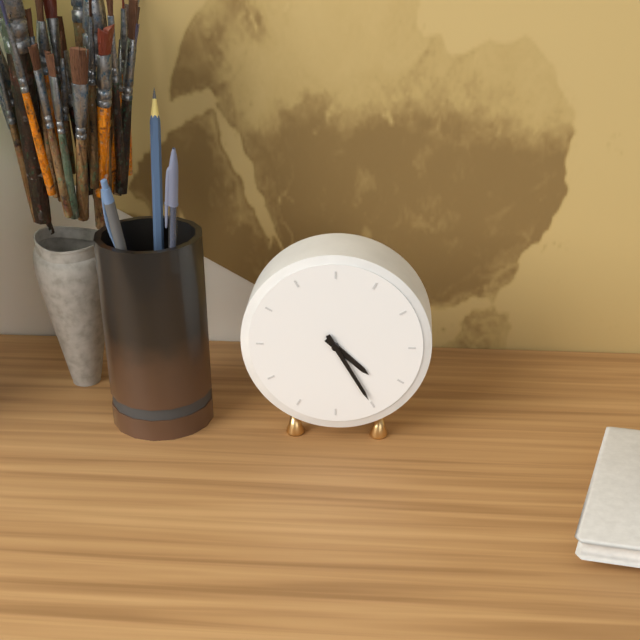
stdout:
**4:25**
